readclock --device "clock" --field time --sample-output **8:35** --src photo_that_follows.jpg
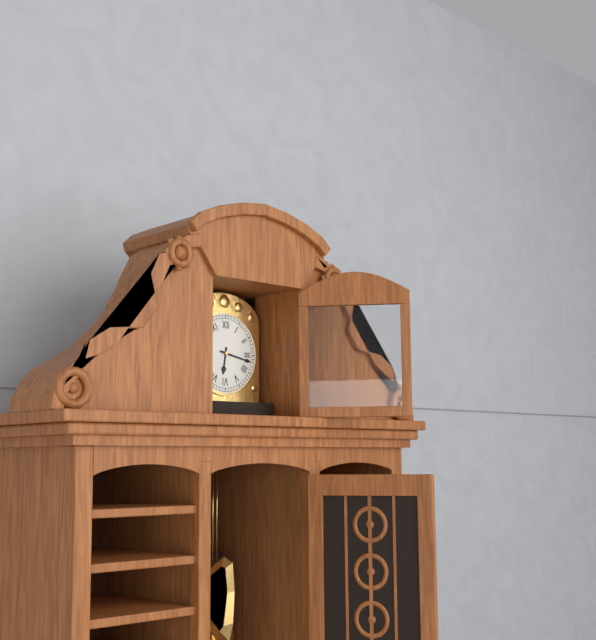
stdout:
**6:17**
